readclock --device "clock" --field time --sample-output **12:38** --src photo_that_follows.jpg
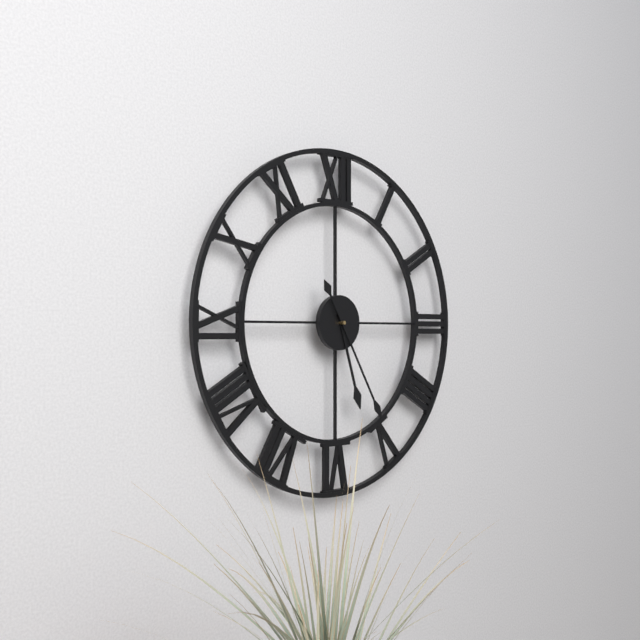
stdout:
**5:25**
